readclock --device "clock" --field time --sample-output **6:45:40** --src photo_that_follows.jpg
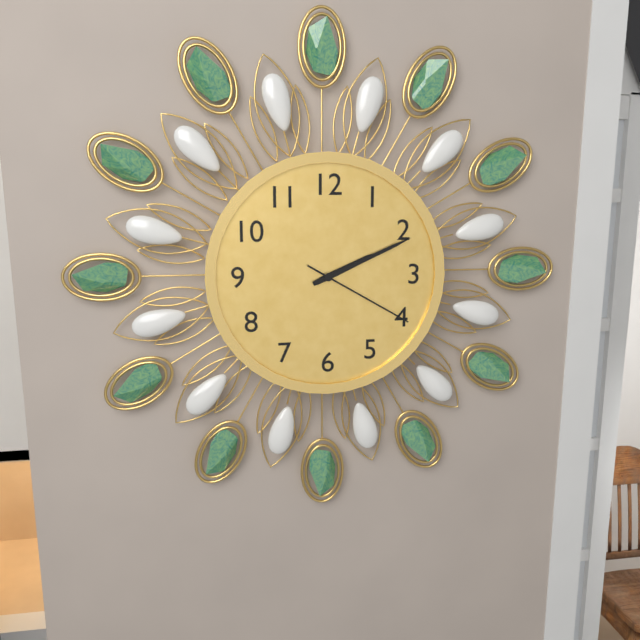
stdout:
**2:11:20**
